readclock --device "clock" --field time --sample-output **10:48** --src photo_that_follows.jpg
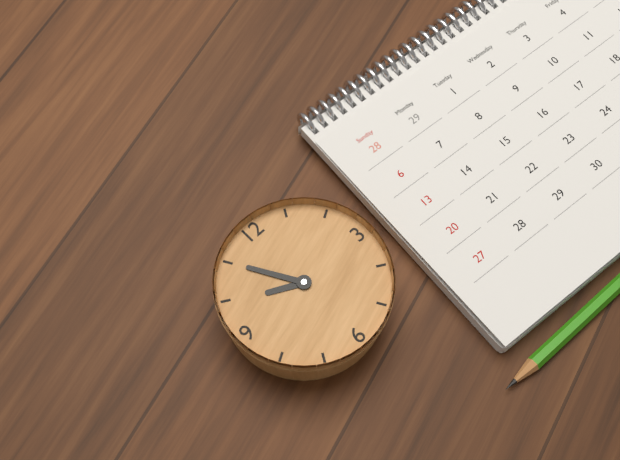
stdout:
**9:55**
